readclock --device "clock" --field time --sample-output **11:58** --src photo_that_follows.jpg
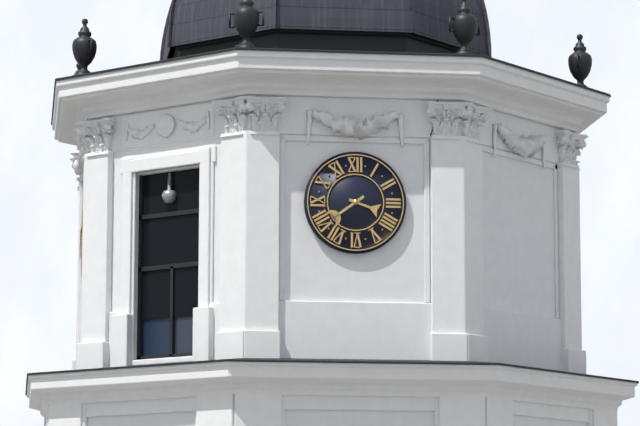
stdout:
**3:39**
